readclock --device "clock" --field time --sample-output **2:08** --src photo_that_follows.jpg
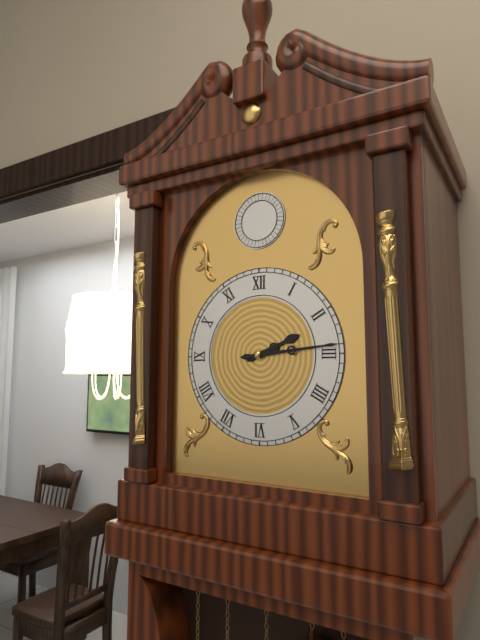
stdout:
**2:14**
